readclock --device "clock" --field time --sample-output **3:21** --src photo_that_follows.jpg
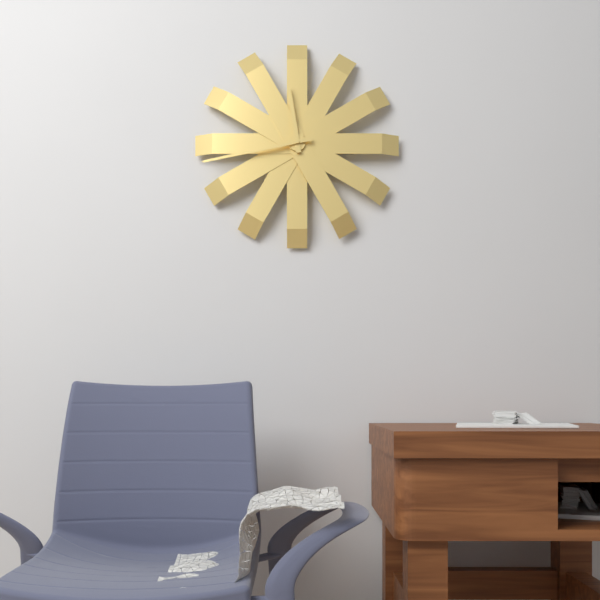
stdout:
**11:43**
